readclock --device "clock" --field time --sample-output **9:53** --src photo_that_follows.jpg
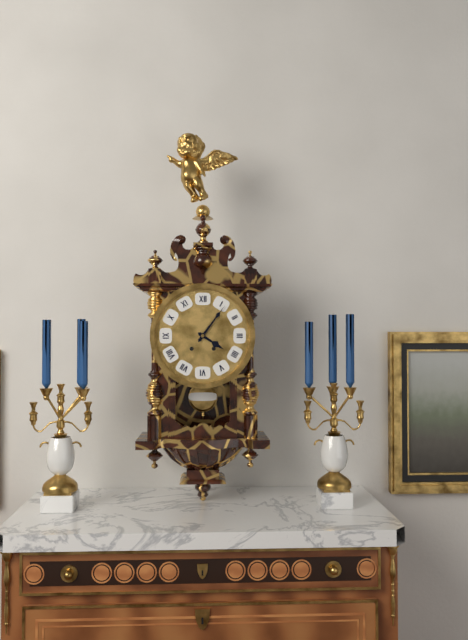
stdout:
**4:06**
